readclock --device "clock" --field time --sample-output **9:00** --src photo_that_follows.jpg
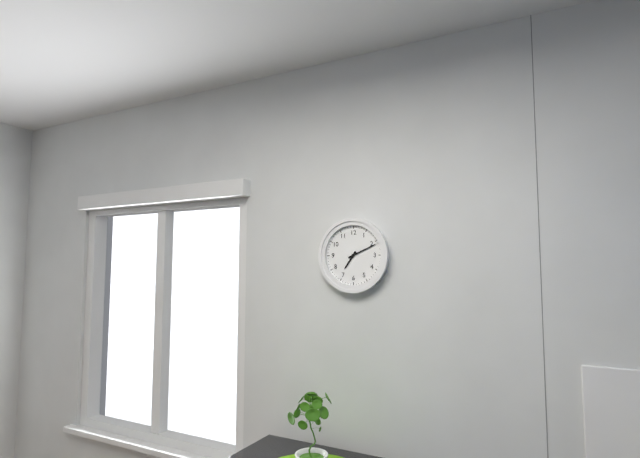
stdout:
**7:11**
